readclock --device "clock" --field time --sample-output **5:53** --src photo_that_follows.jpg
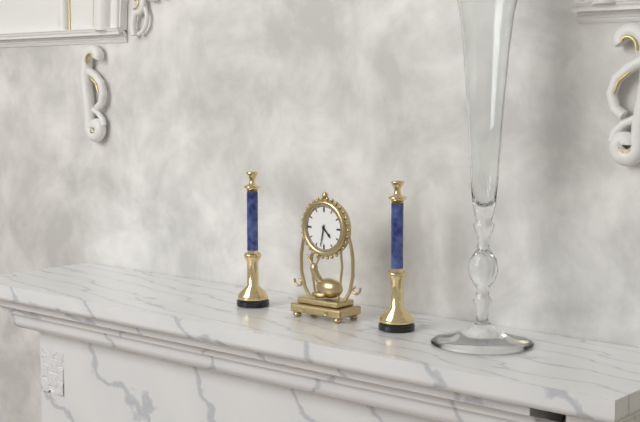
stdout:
**4:32**
